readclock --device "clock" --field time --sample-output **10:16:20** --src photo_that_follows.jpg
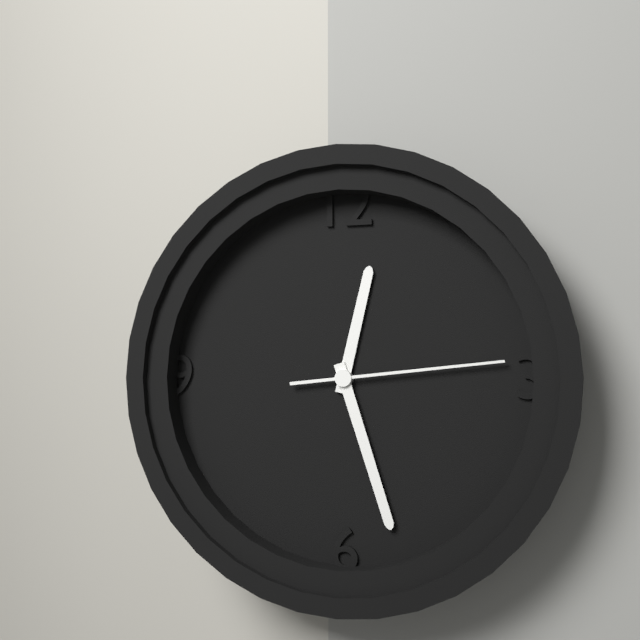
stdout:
**12:27:14**
